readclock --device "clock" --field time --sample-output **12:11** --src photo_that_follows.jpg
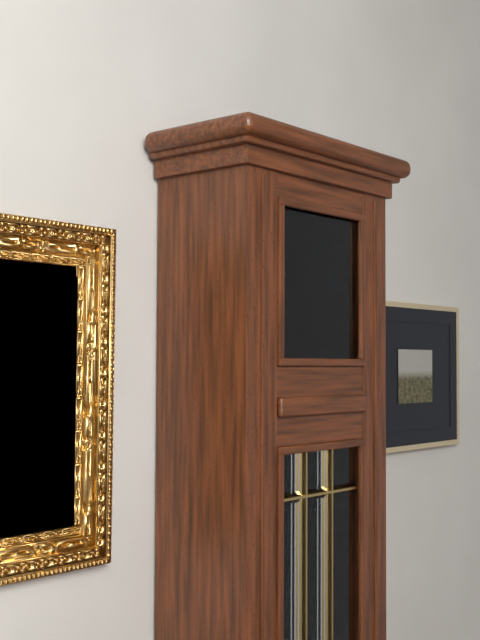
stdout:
**8:16**
